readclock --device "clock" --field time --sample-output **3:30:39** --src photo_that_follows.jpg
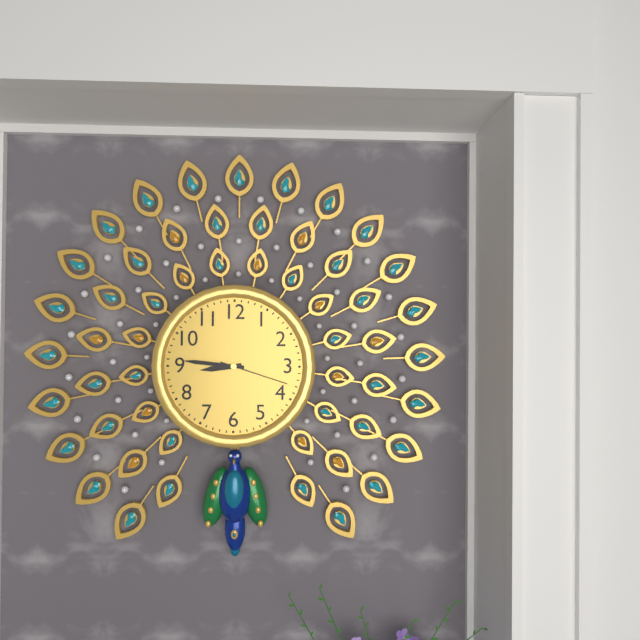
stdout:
**8:46:18**
